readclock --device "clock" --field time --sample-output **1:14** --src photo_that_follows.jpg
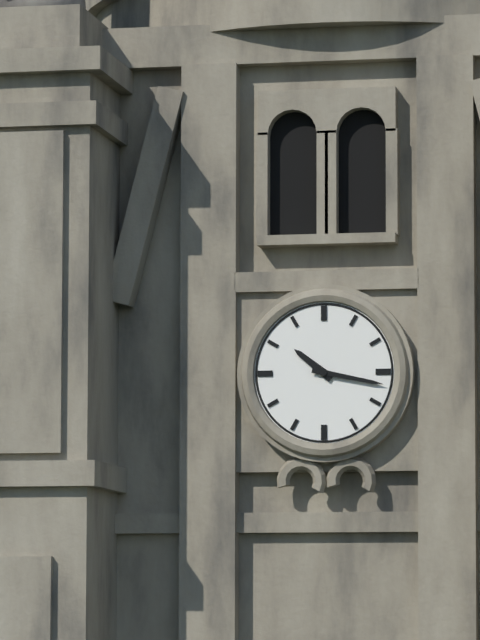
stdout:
**10:17**
